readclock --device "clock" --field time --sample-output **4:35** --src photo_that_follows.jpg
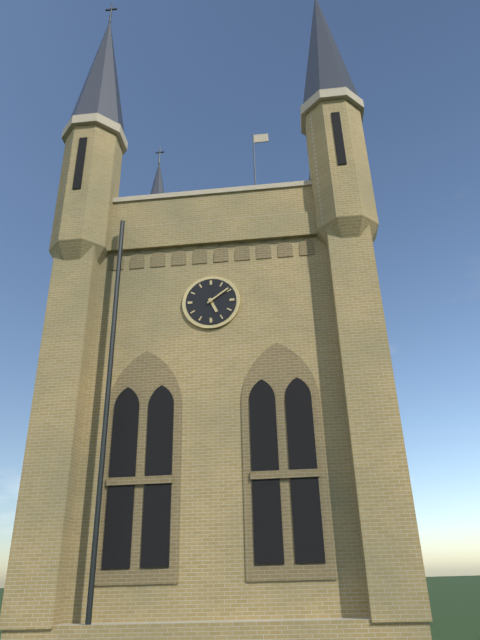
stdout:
**5:09**
